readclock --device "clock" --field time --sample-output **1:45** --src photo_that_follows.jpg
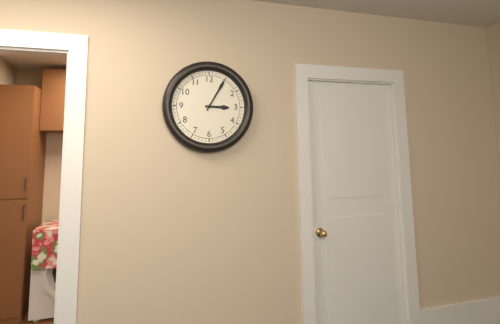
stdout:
**3:05**
